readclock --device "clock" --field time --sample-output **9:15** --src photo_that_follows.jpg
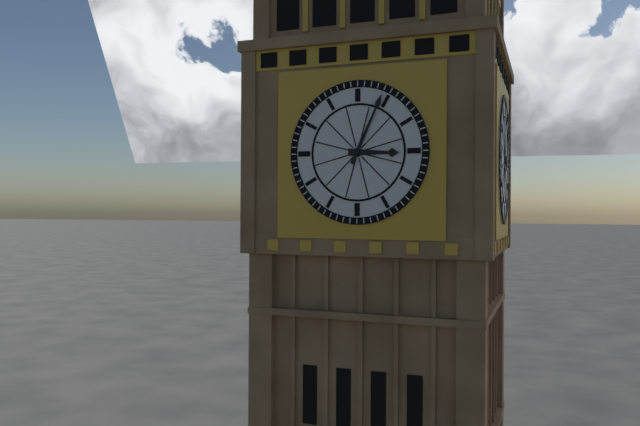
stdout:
**3:04**
